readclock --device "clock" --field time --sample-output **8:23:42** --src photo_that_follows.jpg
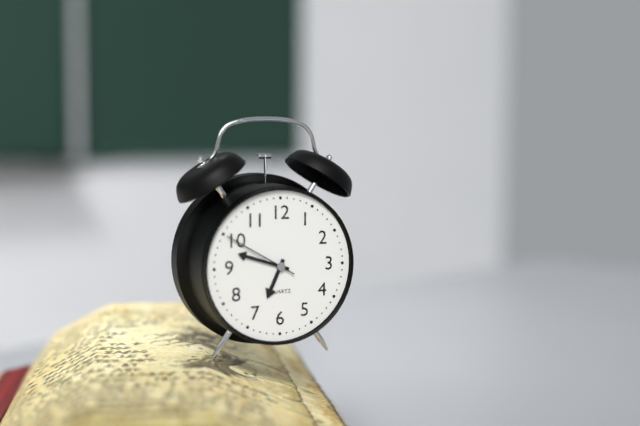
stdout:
**6:48:50**
